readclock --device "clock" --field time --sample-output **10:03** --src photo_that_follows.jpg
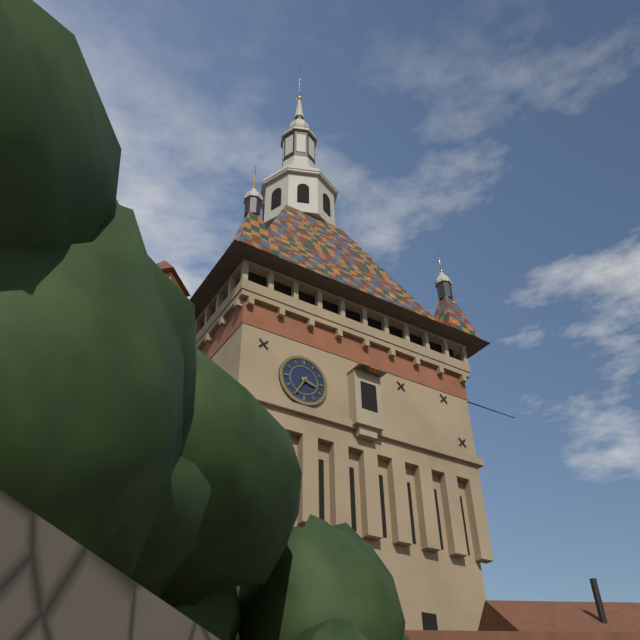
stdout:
**3:35**
